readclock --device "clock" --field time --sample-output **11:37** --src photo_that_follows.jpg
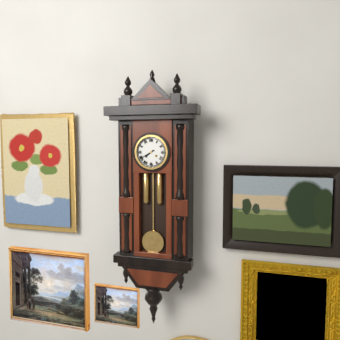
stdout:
**7:40**
